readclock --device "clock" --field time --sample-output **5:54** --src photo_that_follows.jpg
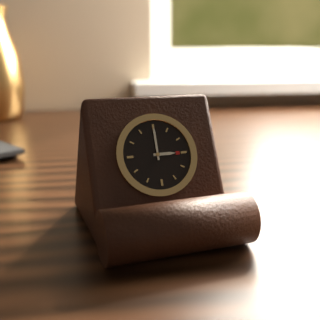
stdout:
**3:00**
